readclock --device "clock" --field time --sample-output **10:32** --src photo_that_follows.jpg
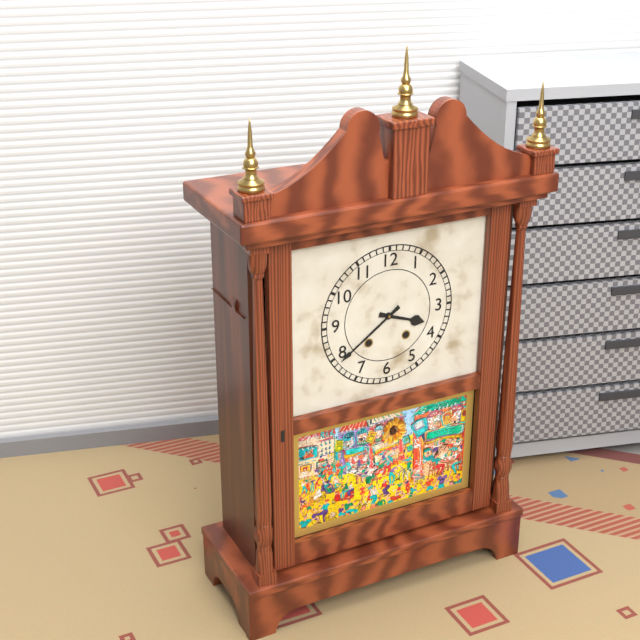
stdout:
**3:39**
